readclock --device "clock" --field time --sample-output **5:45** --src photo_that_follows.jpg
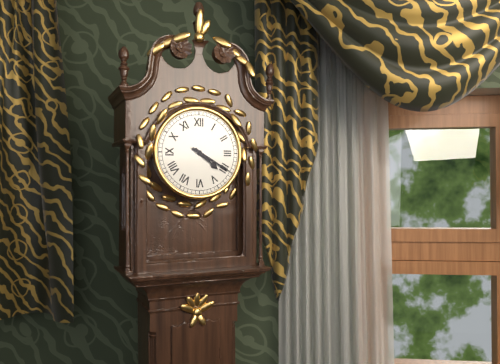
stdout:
**4:20**
